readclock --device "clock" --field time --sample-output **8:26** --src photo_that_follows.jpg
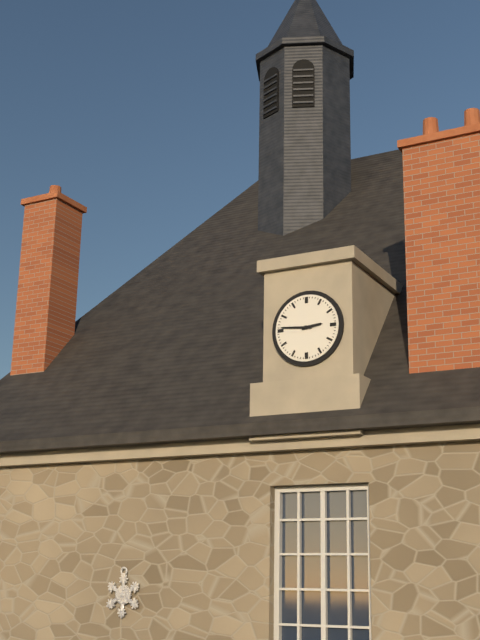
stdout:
**2:46**
